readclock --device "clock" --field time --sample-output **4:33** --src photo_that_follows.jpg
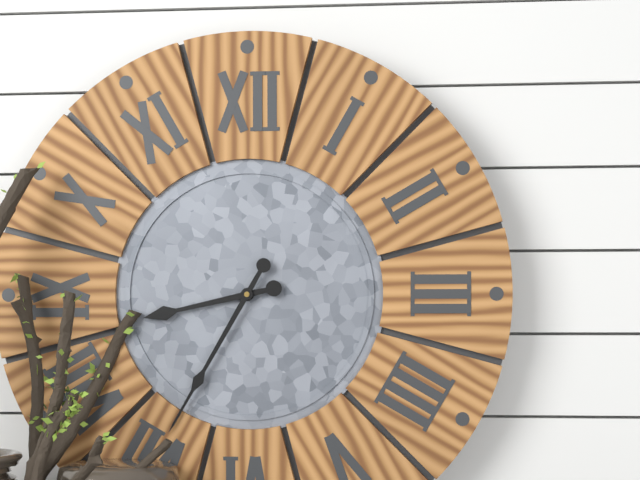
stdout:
**8:35**
